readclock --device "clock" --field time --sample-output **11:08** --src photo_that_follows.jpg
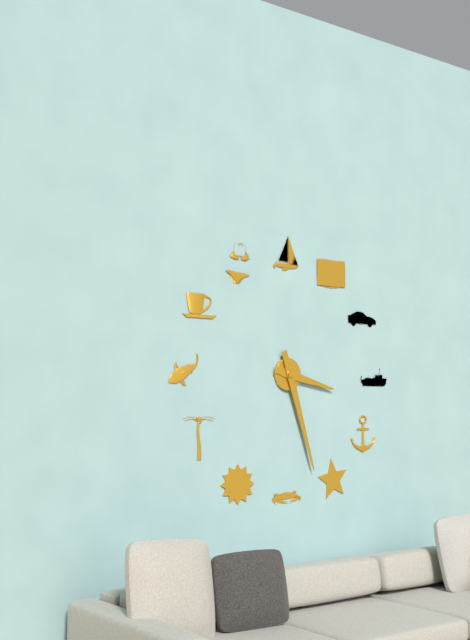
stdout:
**3:27**
